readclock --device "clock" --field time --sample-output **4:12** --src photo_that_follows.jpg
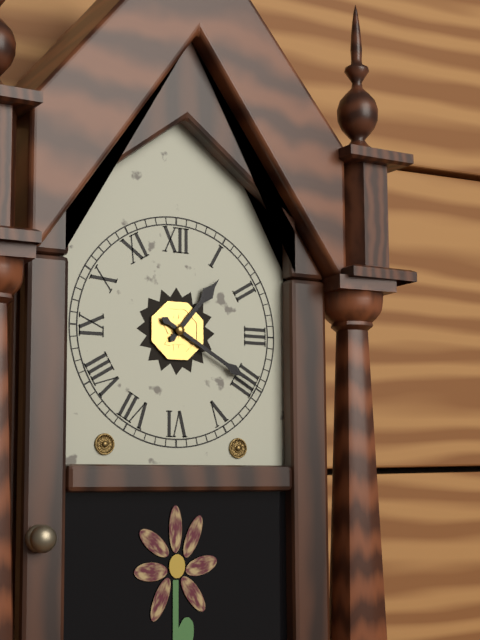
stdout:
**1:20**
